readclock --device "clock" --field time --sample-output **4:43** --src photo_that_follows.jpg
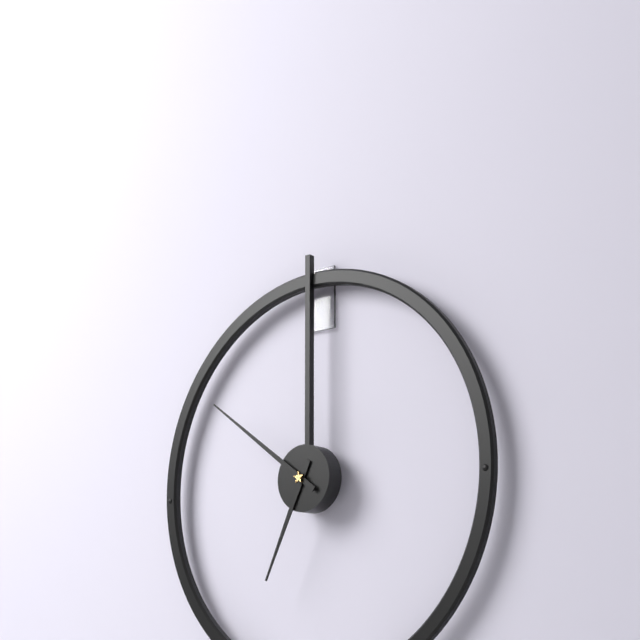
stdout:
**6:51**
